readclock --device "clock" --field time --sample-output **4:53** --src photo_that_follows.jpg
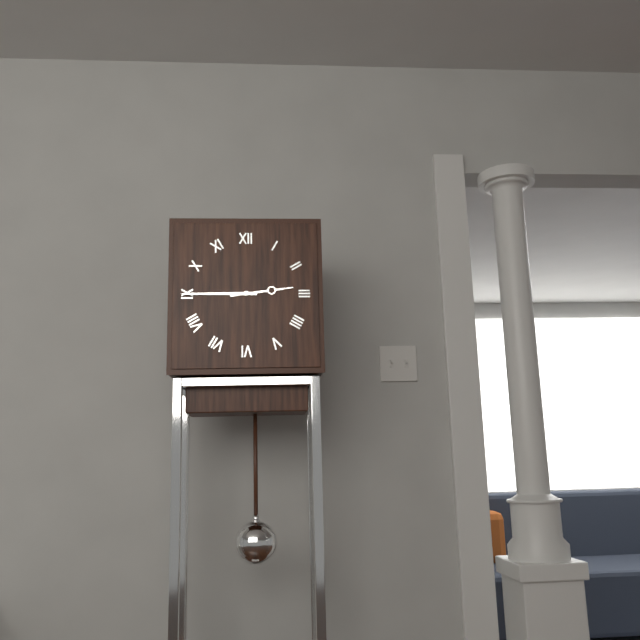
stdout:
**2:45**
